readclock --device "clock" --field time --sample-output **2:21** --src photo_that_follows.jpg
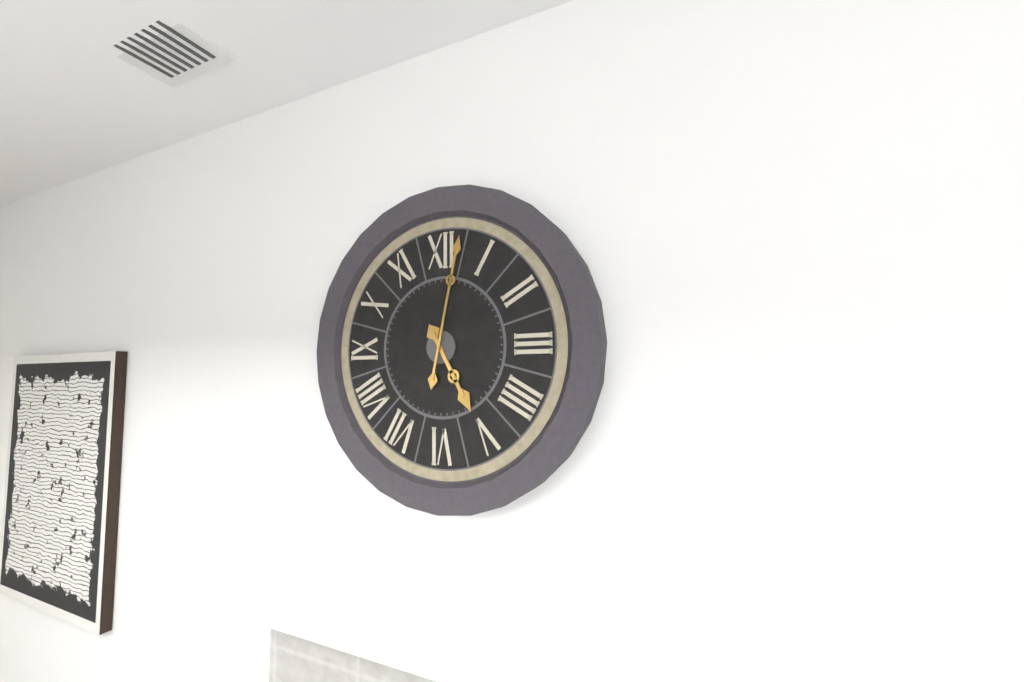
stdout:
**5:02**
